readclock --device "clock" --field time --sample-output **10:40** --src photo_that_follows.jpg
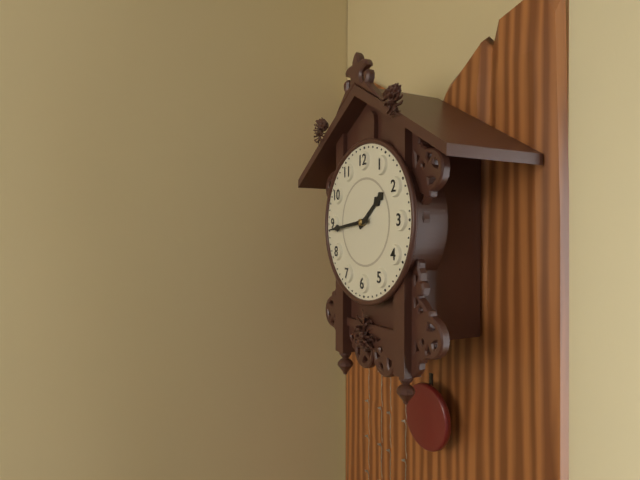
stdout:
**1:44**
